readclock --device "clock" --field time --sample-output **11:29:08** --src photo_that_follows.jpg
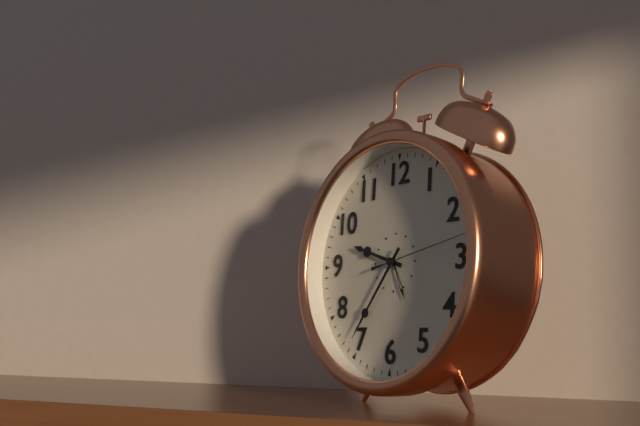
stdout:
**9:36:13**
